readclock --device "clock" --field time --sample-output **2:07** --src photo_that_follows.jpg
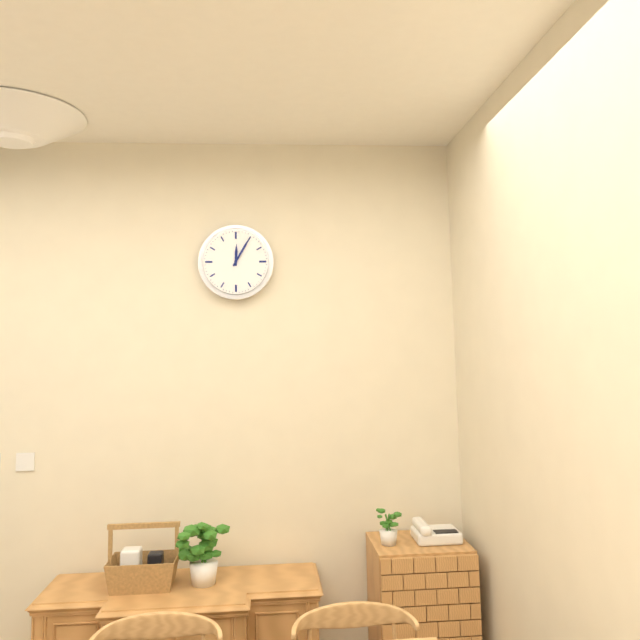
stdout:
**12:05**
